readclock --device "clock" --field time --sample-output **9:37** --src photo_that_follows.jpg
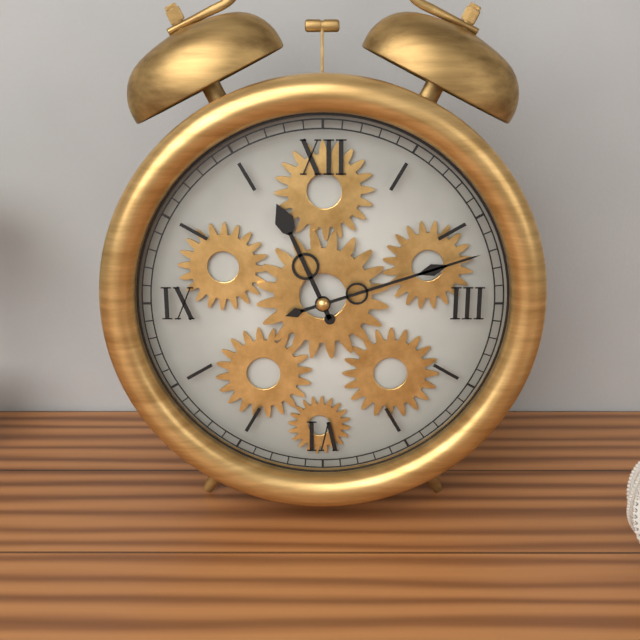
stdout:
**11:12**
